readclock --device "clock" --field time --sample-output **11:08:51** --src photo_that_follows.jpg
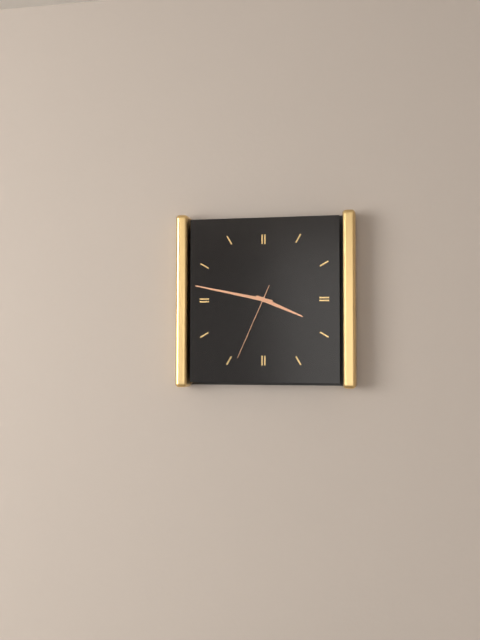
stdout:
**3:47:34**
